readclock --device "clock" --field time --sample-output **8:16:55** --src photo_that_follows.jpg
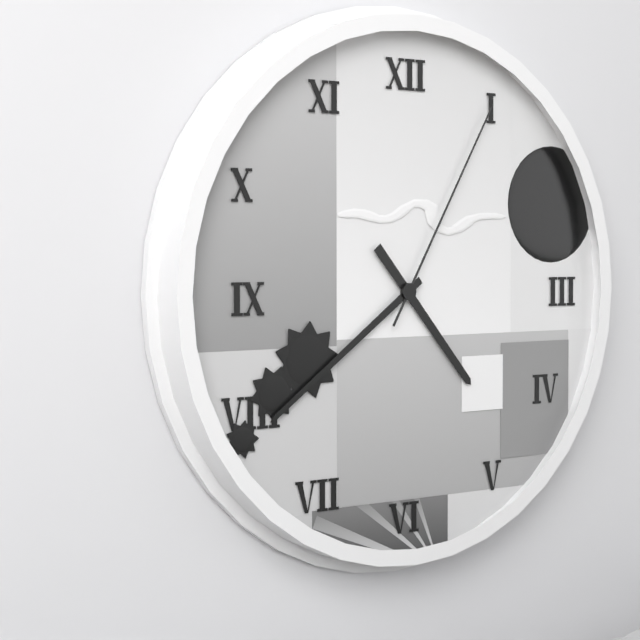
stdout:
**4:39:05**
